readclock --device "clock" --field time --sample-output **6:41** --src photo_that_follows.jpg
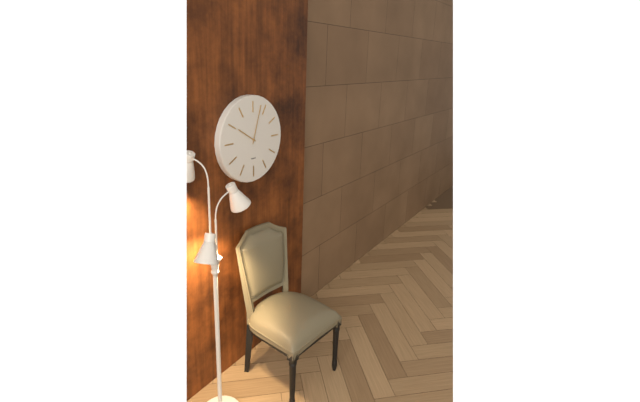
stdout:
**10:03**
